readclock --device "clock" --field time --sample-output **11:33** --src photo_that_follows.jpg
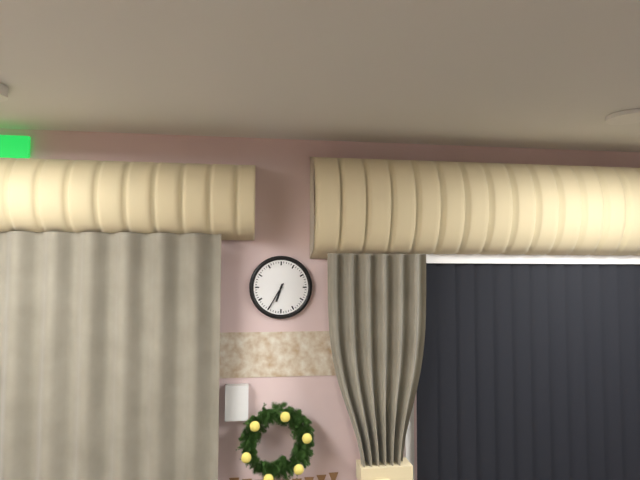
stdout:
**6:35**
